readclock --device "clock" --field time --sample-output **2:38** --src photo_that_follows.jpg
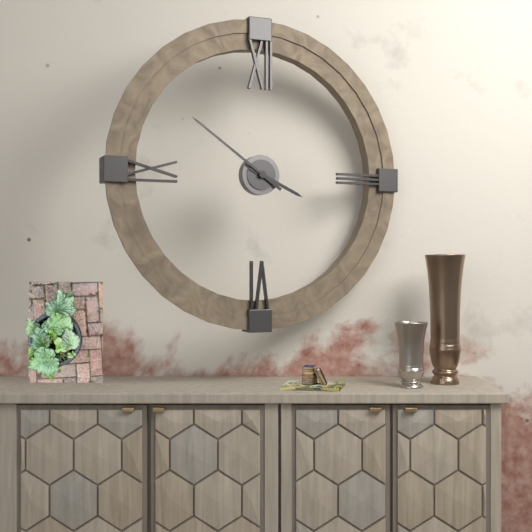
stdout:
**3:51**
